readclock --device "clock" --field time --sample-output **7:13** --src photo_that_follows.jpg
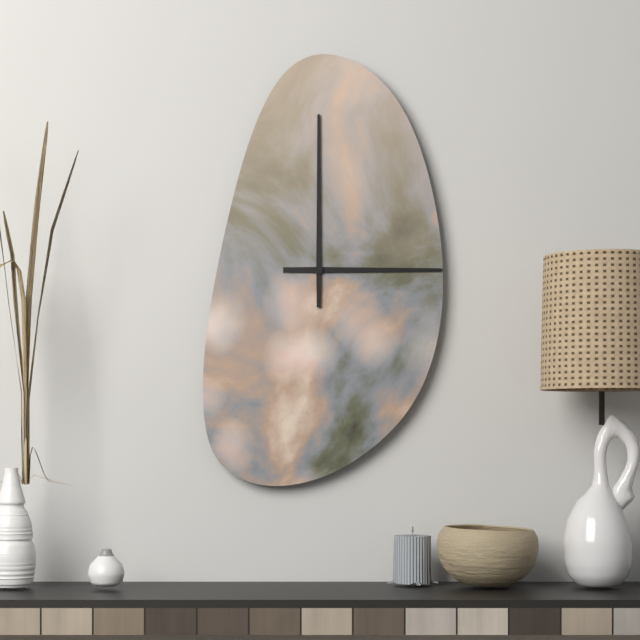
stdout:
**3:00**
